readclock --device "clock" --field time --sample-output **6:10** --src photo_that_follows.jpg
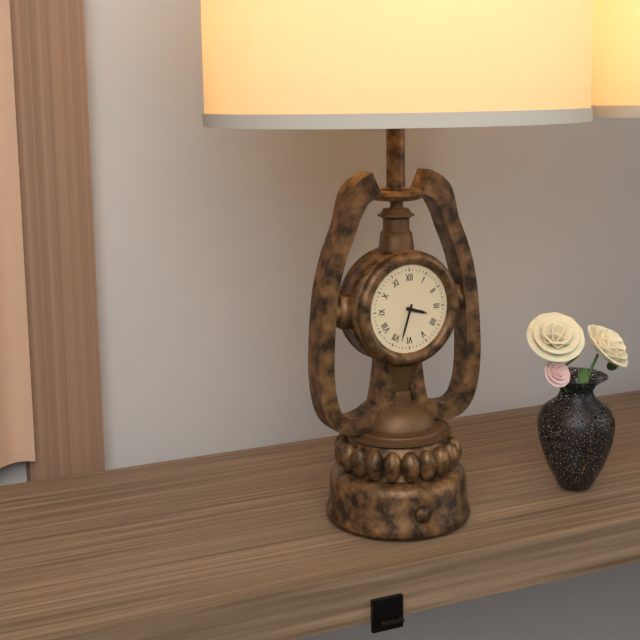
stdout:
**3:33**
